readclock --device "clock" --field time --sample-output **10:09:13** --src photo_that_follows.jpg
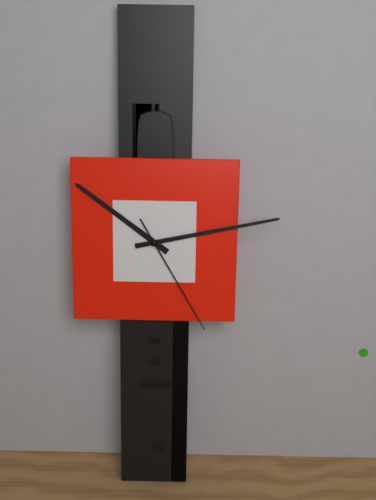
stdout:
**10:13:25**
